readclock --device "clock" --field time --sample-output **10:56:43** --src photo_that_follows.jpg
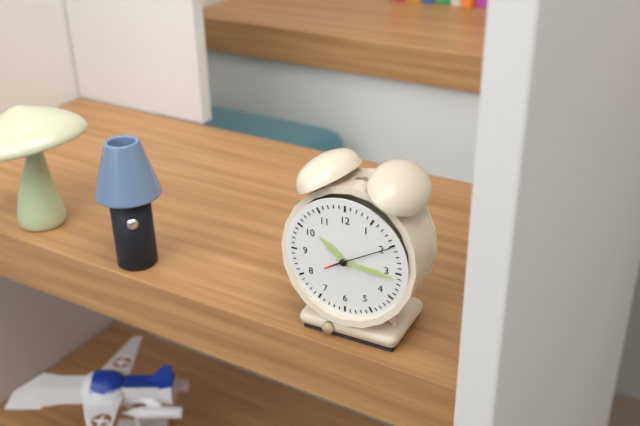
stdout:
**10:16:10**
